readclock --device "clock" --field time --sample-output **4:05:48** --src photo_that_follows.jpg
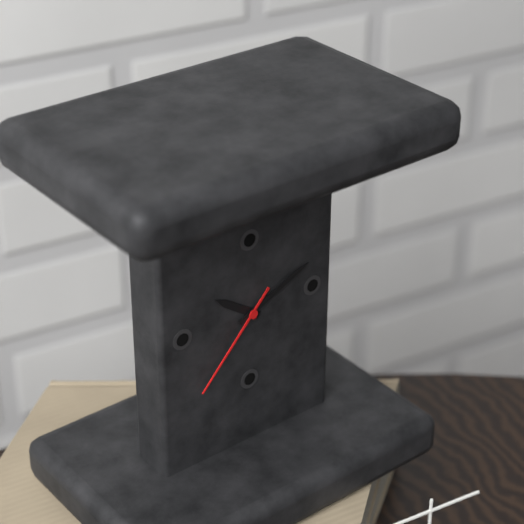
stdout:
**10:11:37**
